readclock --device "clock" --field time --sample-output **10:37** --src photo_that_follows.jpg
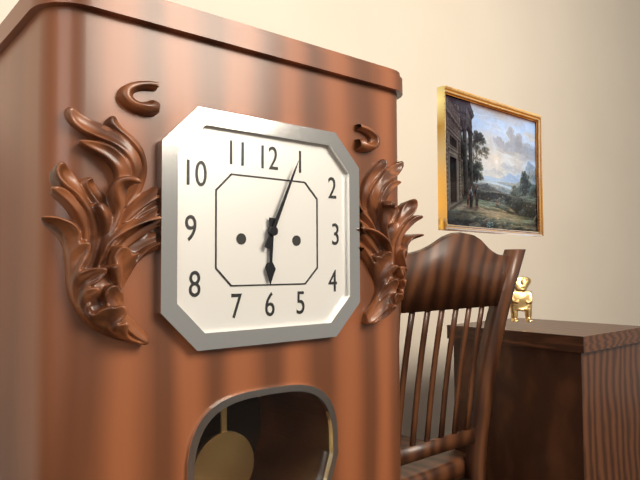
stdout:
**6:04**
